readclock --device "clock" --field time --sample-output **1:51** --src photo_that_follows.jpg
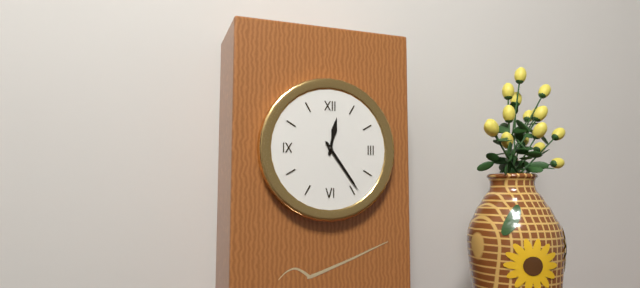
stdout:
**12:24**
